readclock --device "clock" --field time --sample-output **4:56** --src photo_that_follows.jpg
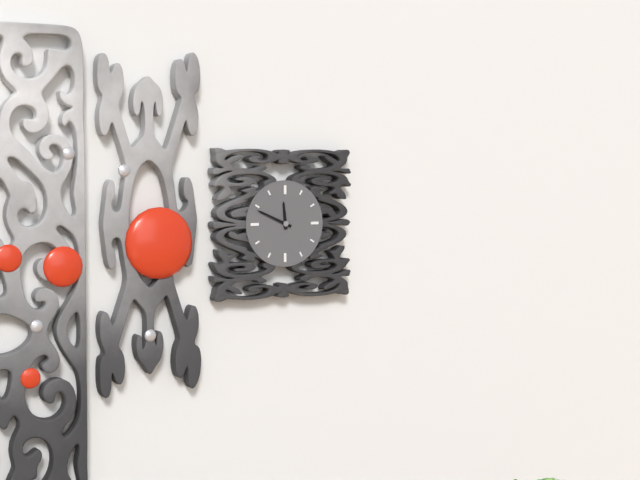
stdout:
**11:49**
